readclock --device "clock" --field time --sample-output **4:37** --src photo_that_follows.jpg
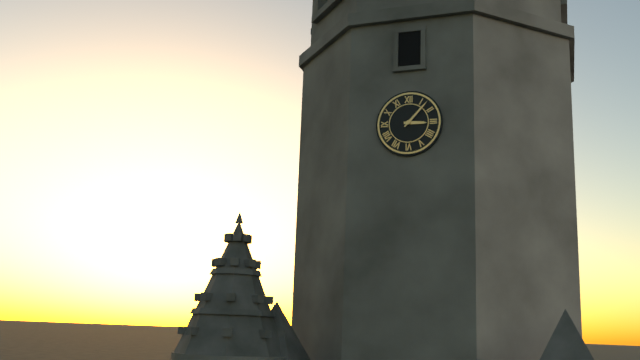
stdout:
**3:07**
